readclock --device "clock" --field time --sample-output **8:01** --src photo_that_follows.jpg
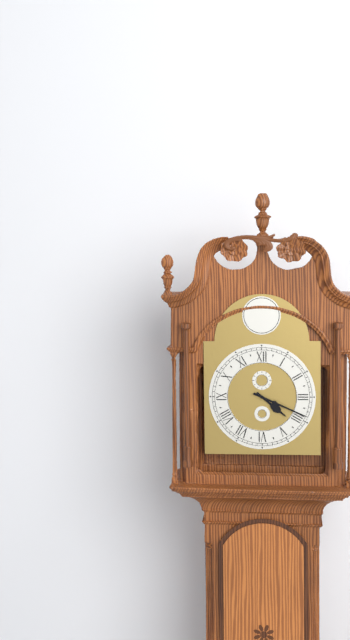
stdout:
**4:19**
